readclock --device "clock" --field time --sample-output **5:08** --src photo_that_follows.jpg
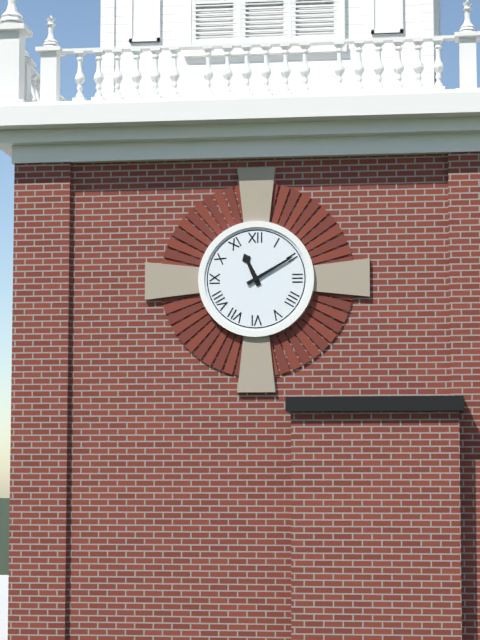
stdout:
**11:10**
